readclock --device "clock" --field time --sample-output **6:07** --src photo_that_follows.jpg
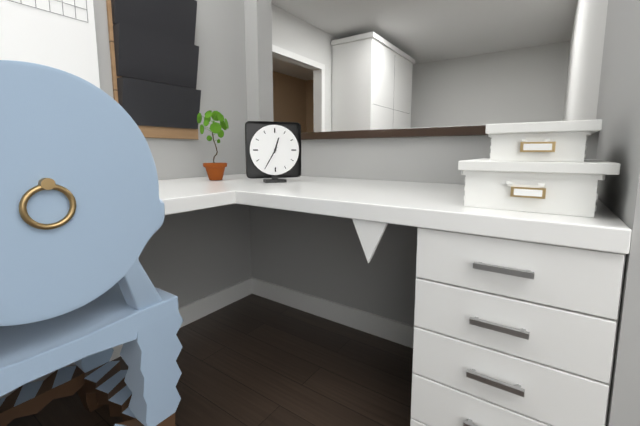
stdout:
**12:35**
